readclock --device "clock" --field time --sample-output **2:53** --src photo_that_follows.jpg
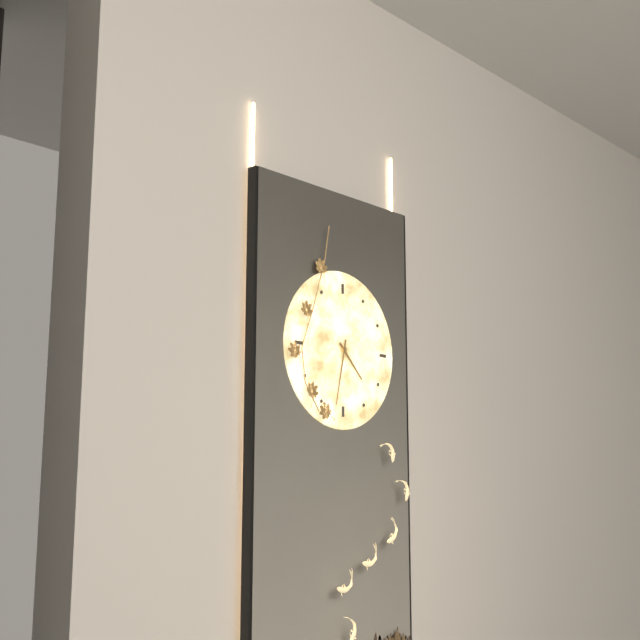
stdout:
**4:32**
